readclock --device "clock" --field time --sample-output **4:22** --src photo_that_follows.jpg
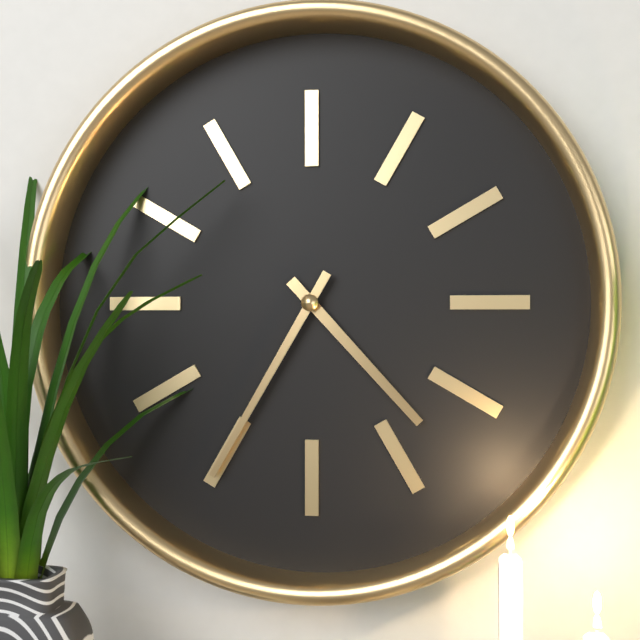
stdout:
**4:35**
